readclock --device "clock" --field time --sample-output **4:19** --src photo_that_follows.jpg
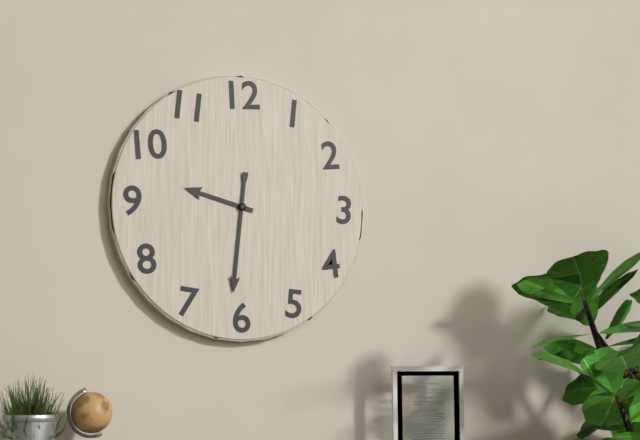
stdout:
**9:31**
